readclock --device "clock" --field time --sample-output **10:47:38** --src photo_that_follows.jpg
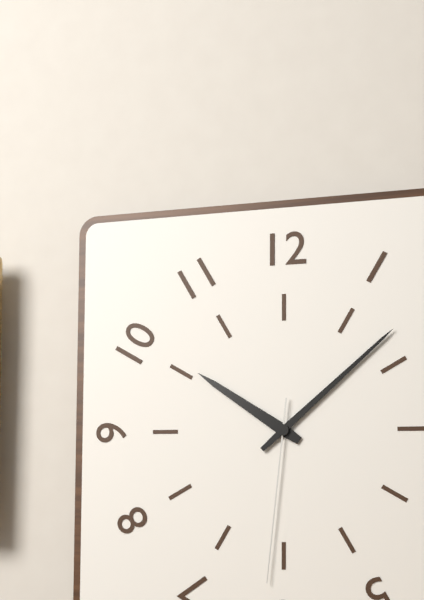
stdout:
**10:08:31**
